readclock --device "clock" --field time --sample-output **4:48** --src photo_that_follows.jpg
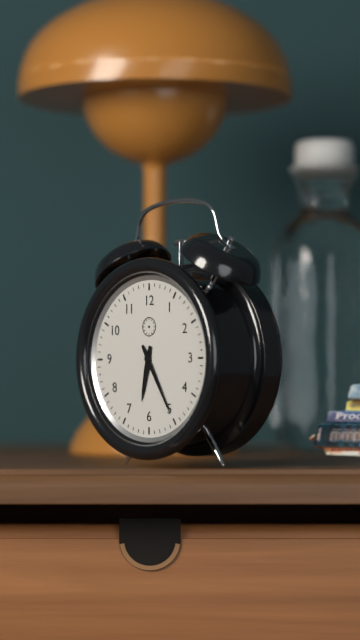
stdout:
**6:25**
